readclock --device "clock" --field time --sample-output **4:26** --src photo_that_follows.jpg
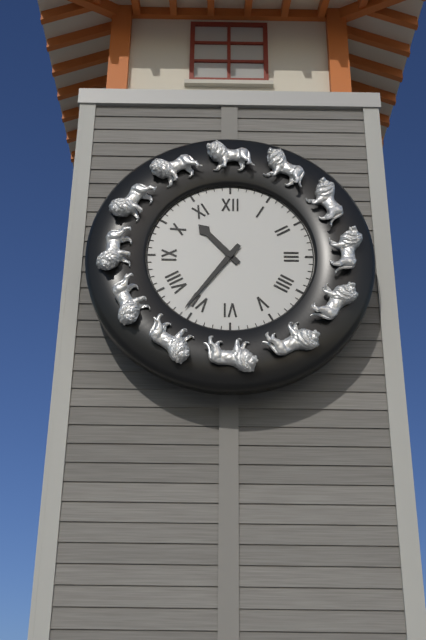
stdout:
**10:36**
